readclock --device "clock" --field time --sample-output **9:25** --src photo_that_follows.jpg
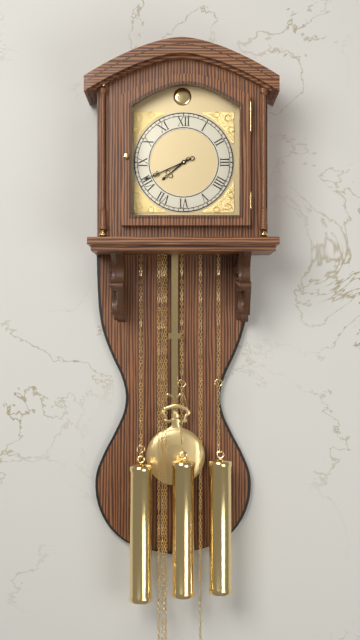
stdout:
**7:41**
